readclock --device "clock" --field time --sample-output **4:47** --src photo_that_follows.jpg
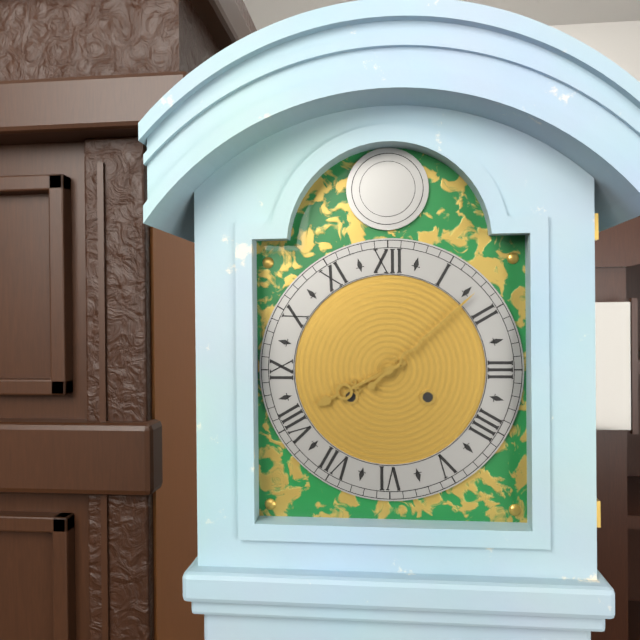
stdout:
**8:08**
